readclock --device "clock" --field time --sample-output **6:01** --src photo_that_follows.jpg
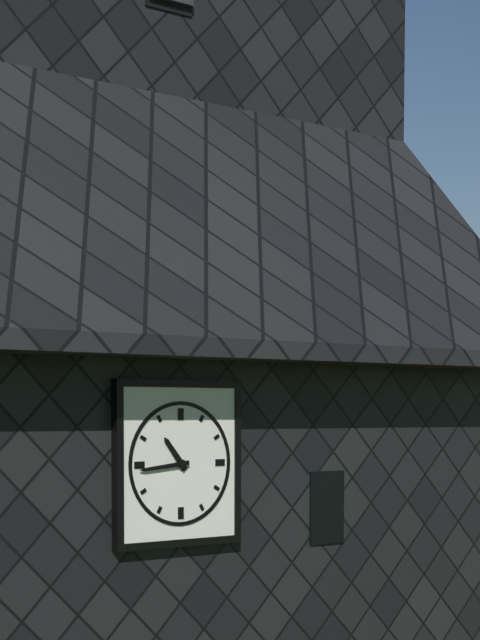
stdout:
**10:44**
